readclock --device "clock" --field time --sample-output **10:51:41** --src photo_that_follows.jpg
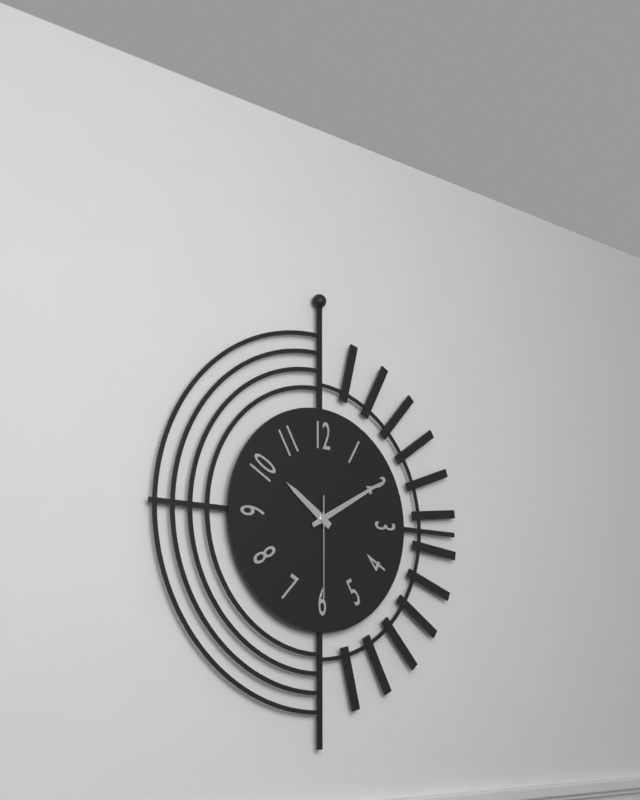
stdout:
**10:10:30**
